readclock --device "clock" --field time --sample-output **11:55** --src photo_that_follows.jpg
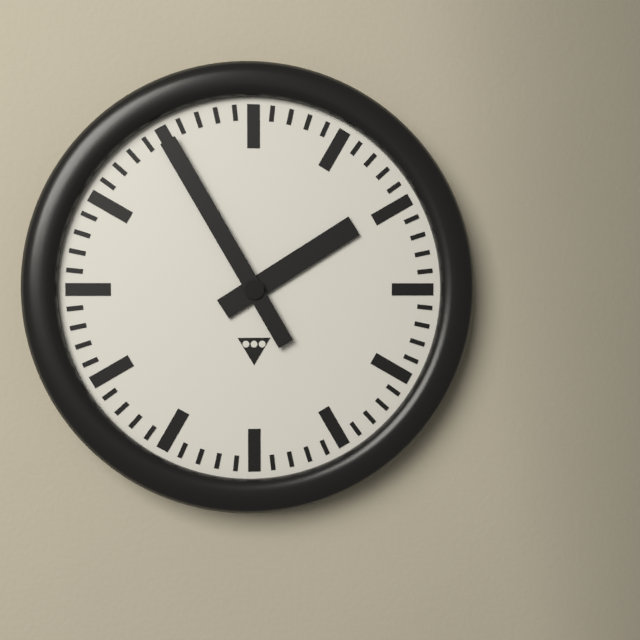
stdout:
**1:55**
